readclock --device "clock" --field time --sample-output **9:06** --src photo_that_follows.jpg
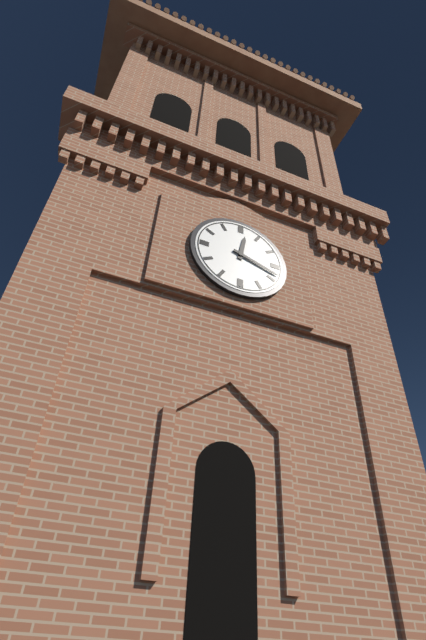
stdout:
**12:18**
